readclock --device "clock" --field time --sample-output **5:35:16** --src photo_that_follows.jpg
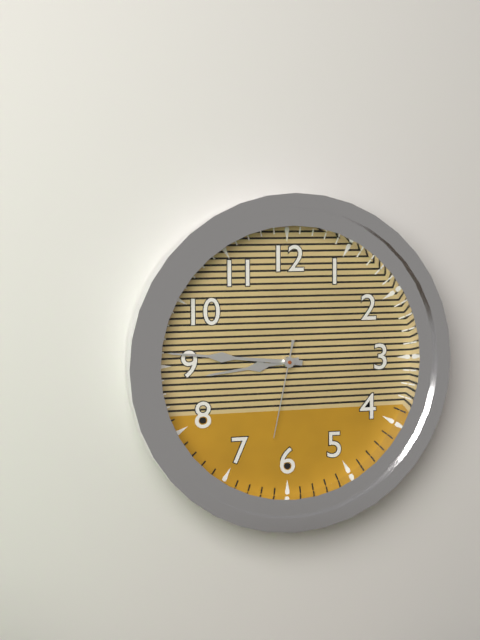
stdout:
**8:46:32**
